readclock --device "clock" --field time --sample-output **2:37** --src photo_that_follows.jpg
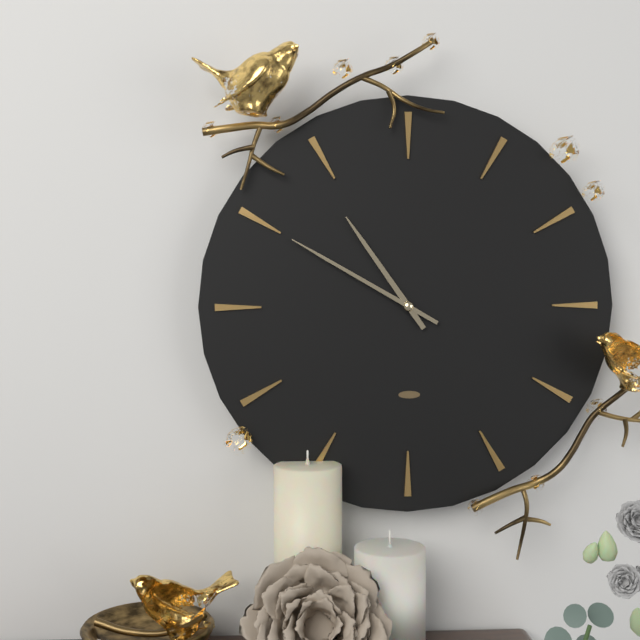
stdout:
**10:50**
